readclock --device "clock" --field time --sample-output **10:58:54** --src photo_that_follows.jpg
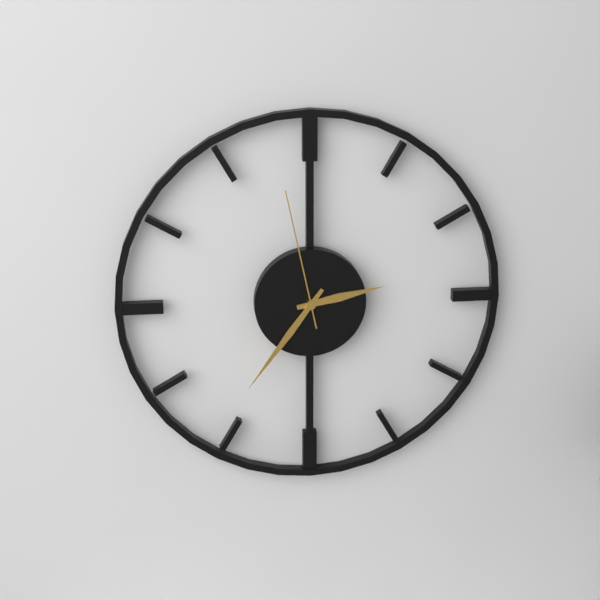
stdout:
**2:36:58**
